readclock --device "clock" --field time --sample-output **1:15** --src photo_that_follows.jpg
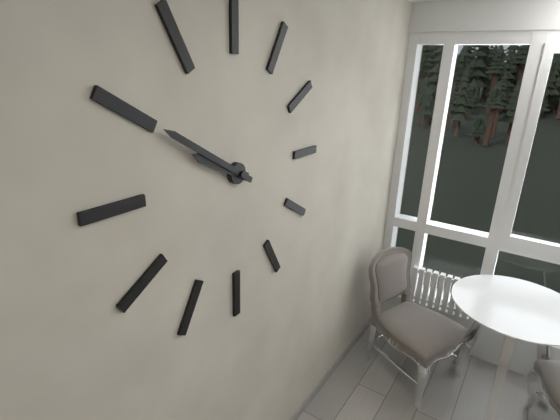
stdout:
**9:50**
